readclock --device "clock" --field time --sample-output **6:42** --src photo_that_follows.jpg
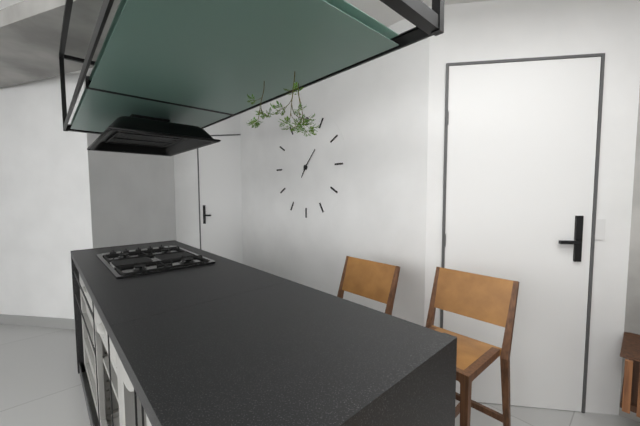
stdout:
**7:07**
